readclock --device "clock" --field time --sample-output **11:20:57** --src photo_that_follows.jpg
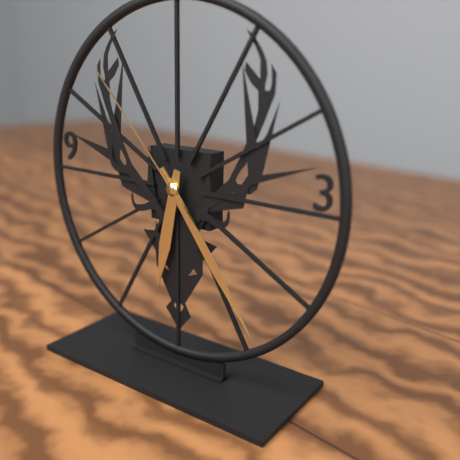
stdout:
**6:24:53**
